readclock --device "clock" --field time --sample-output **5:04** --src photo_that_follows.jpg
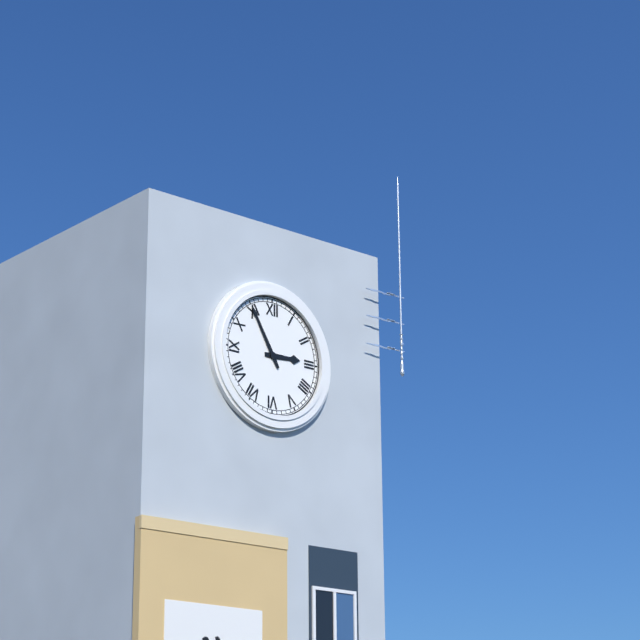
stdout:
**2:55**
